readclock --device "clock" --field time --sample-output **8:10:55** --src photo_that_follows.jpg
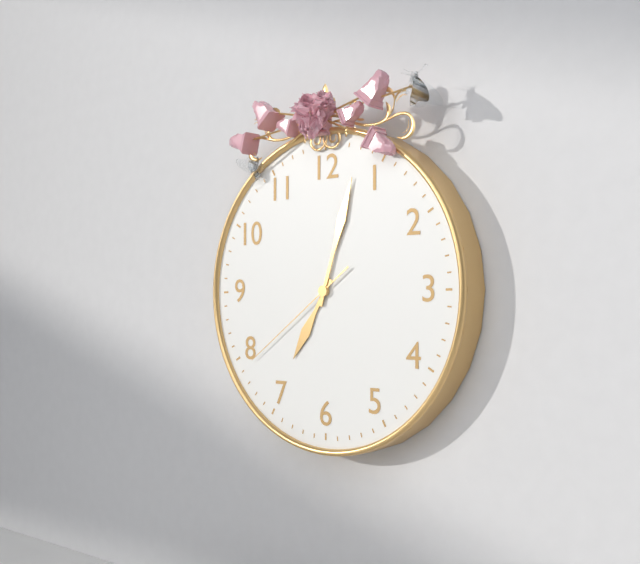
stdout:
**7:03:39**
